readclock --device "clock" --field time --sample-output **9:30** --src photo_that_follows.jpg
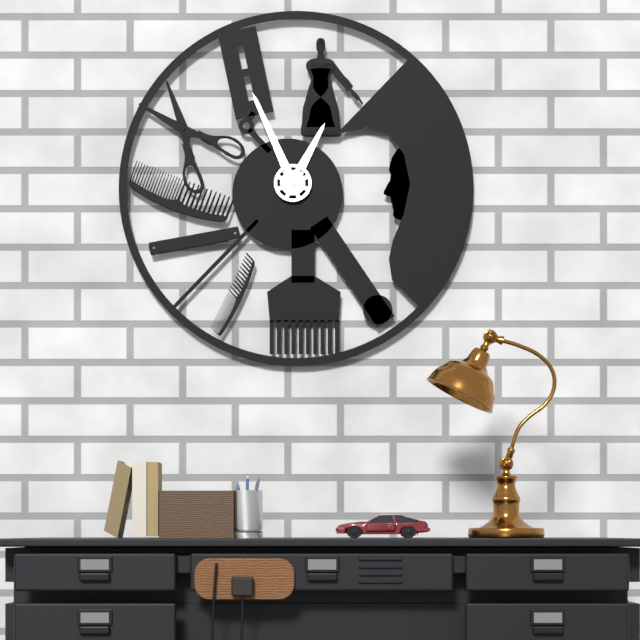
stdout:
**12:56**
